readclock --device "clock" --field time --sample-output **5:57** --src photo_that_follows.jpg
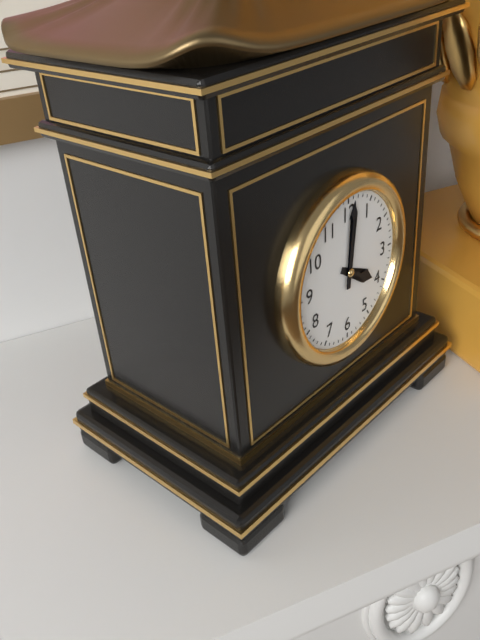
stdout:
**4:01**
